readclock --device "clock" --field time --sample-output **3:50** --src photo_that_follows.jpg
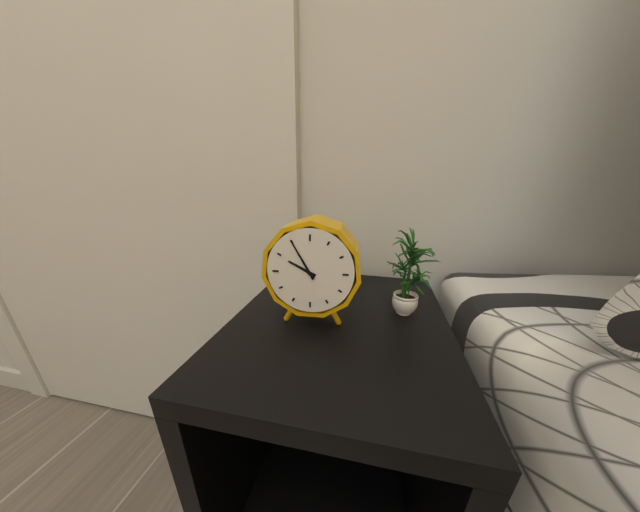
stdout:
**9:55**
